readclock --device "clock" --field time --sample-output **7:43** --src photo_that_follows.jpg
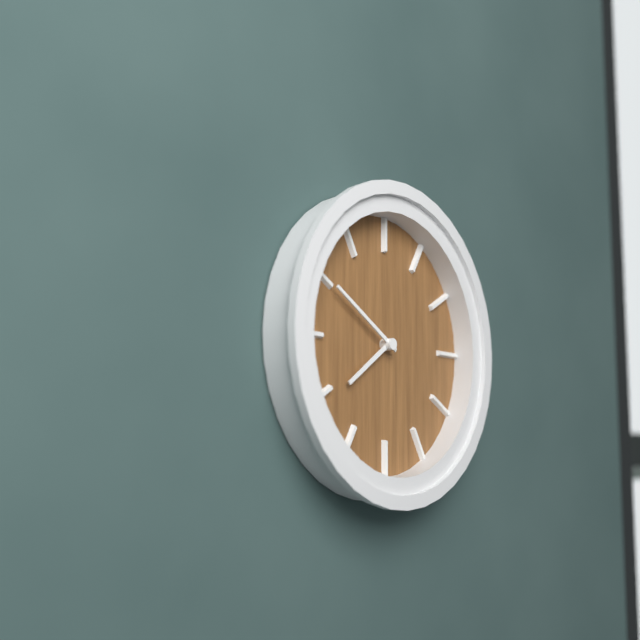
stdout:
**7:50**
